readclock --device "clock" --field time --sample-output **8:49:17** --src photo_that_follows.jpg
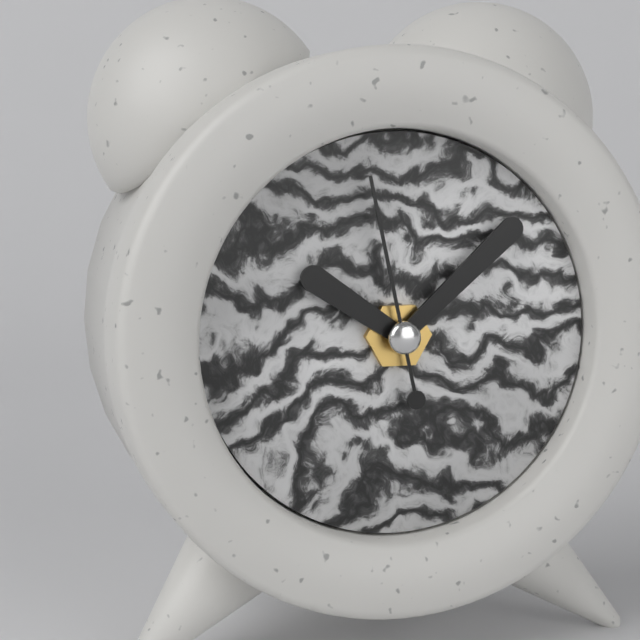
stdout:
**10:08:58**
